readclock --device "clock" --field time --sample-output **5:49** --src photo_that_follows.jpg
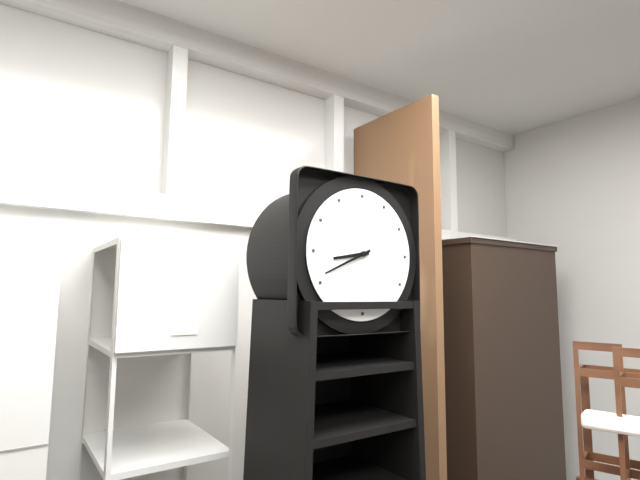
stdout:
**8:41**
